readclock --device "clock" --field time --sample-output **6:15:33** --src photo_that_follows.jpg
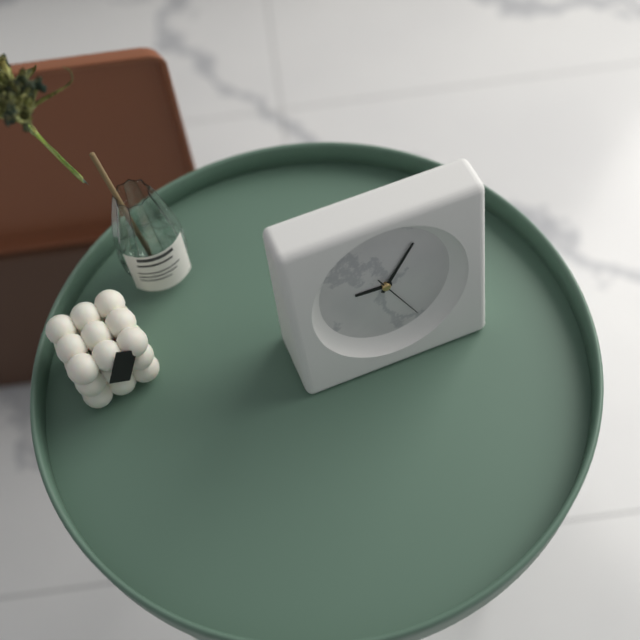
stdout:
**9:06:25**
